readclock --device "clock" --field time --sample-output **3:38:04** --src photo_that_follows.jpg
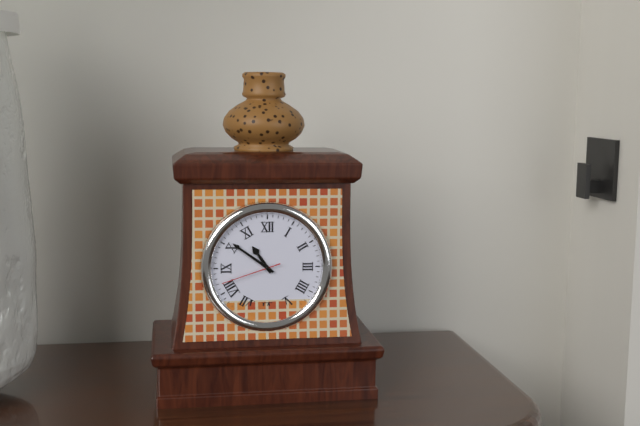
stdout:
**10:51:42**
